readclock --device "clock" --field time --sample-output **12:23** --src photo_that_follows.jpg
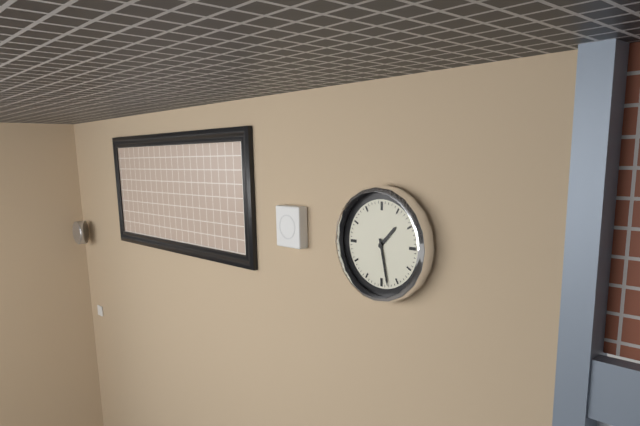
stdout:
**1:28**
